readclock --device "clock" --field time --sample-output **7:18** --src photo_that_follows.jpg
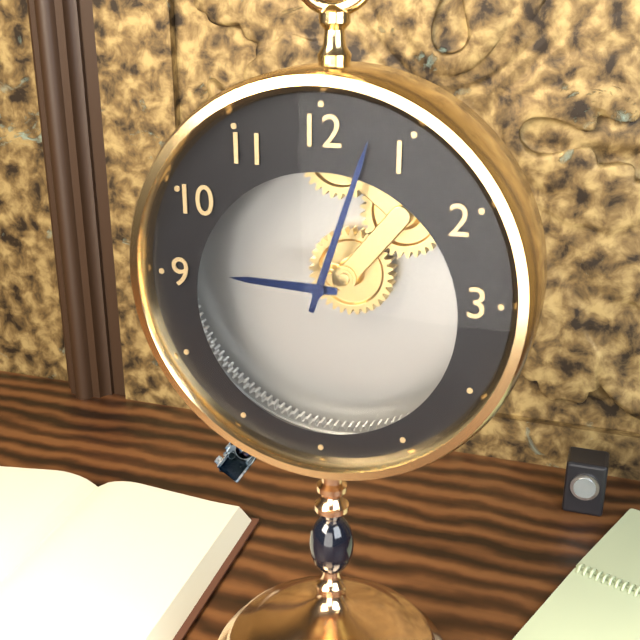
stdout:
**9:03**
